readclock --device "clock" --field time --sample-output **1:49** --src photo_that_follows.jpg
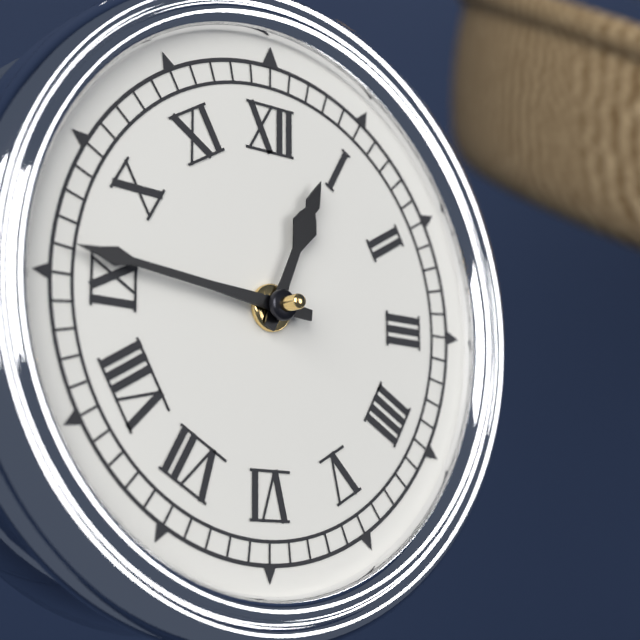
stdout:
**12:46**
